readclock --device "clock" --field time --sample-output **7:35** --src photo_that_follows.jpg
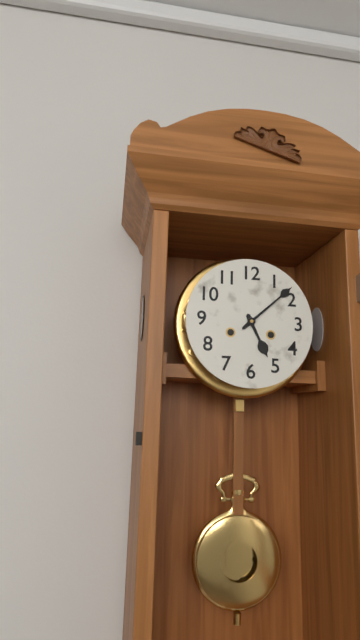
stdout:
**5:08**
